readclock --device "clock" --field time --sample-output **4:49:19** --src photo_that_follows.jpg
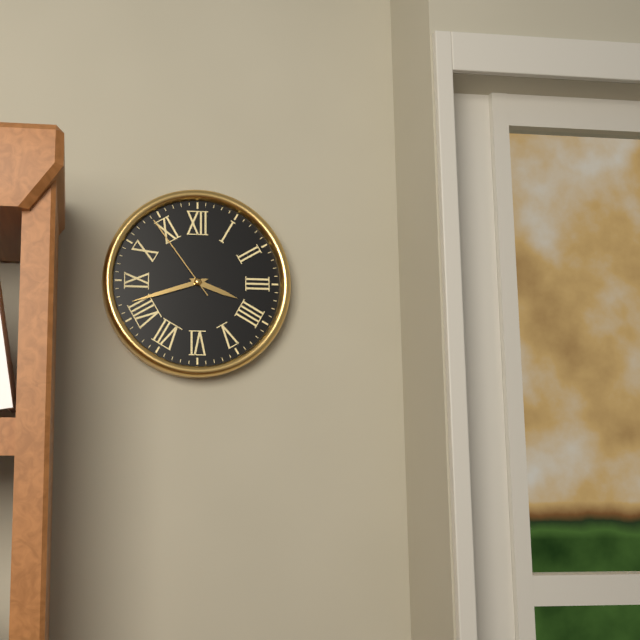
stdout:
**3:42:54**
